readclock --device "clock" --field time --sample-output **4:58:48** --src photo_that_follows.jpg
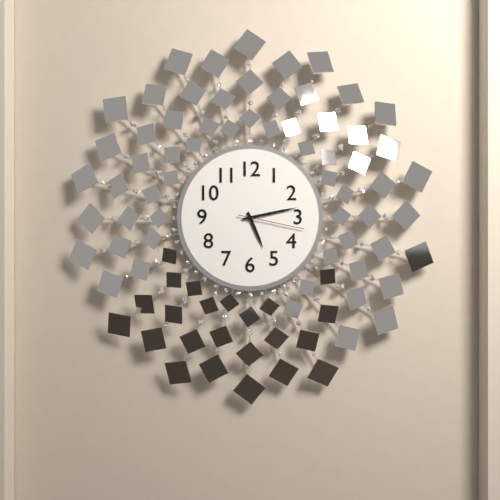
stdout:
**5:13:17**
